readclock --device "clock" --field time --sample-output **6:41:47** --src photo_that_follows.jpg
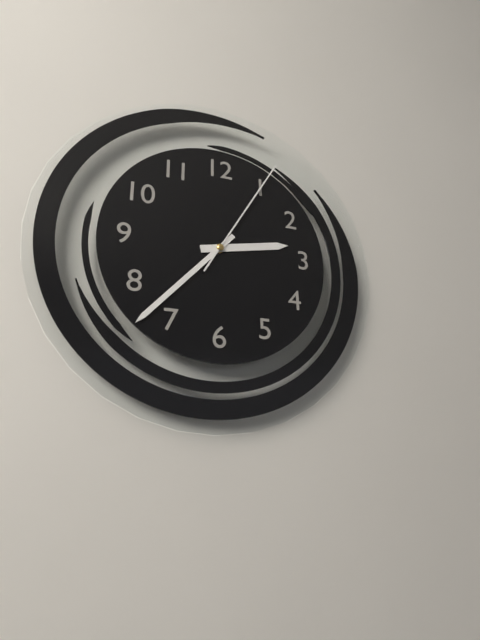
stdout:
**2:37:05**
